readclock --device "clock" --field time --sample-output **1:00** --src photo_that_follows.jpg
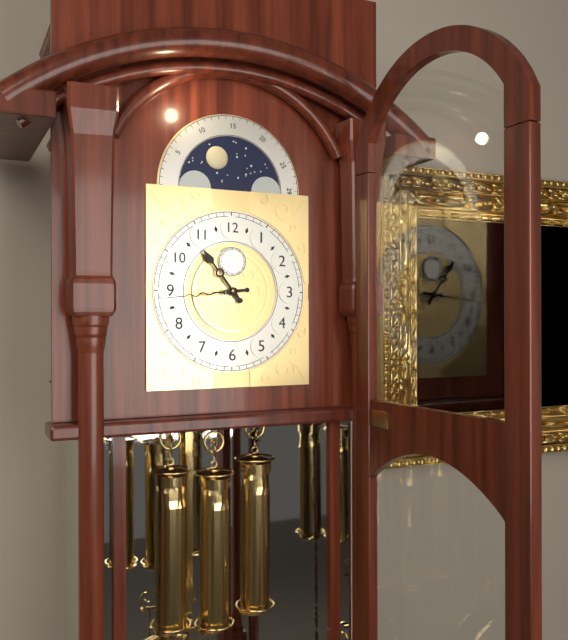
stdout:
**10:44**
